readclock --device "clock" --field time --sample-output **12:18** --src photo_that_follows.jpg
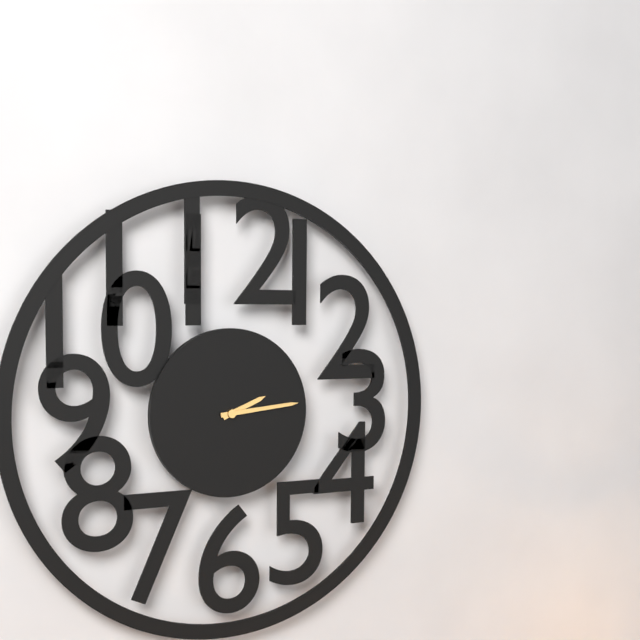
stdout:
**2:14**
